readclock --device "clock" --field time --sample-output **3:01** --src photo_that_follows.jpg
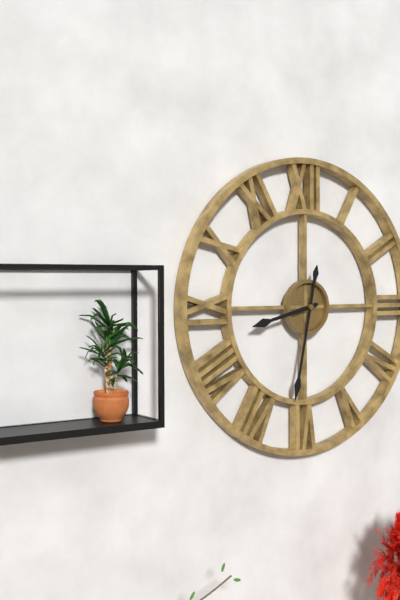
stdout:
**8:32**
